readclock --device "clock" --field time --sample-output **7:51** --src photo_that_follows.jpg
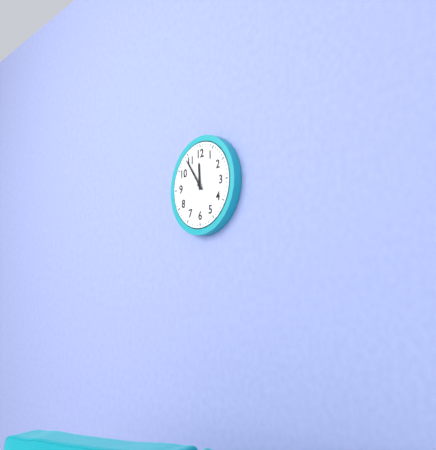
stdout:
**11:54**
